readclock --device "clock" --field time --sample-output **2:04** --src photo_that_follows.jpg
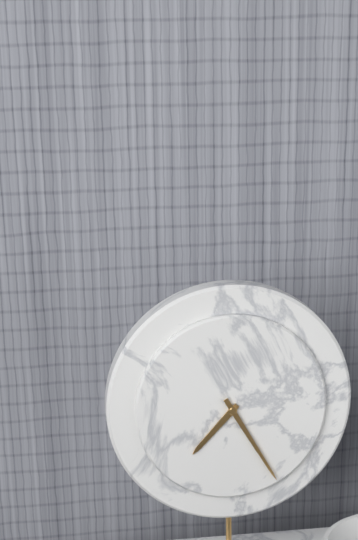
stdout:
**7:25**
